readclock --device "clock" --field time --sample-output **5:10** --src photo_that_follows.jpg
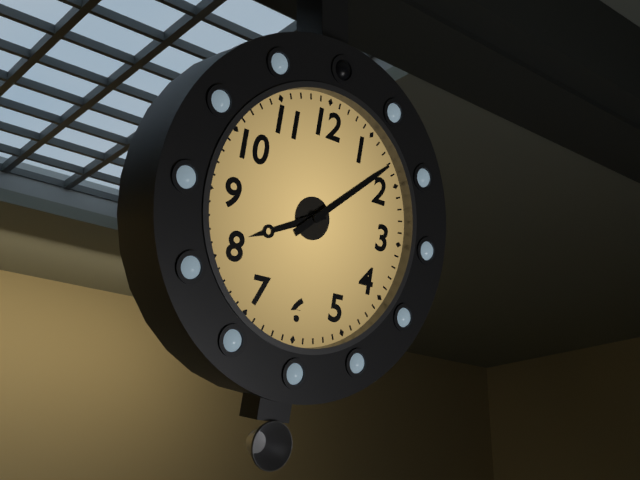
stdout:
**8:08**
